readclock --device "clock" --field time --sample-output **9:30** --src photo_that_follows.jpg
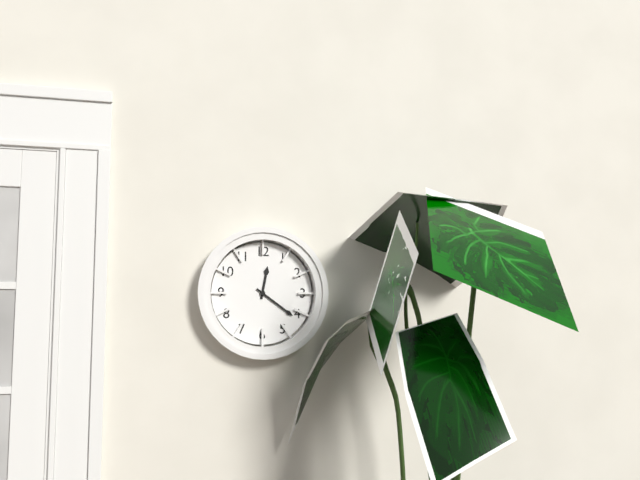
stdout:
**12:21**
